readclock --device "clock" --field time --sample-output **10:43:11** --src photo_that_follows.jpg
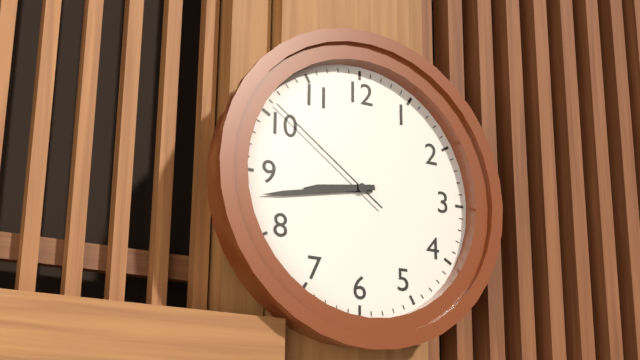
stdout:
**8:43:51**
